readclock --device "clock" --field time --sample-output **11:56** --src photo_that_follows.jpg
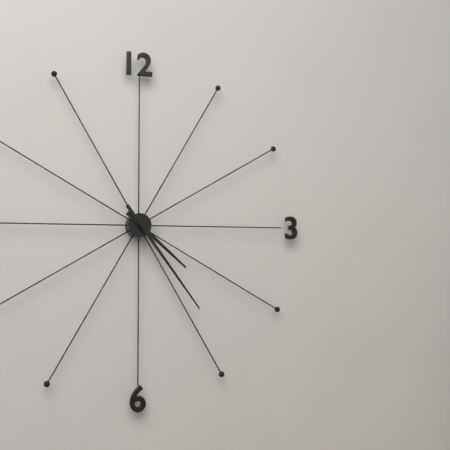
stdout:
**4:24**
